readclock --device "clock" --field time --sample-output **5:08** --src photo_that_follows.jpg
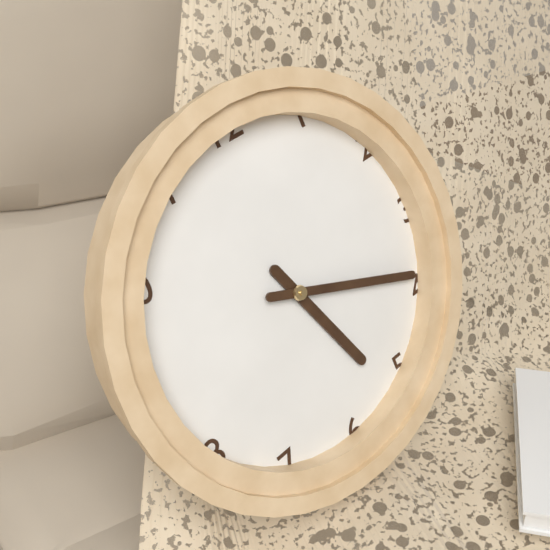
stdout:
**5:19**
